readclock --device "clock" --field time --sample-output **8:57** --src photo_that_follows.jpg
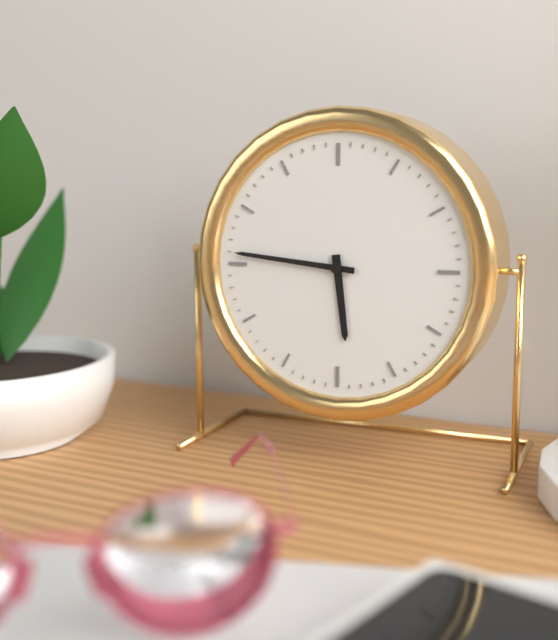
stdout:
**5:46**
